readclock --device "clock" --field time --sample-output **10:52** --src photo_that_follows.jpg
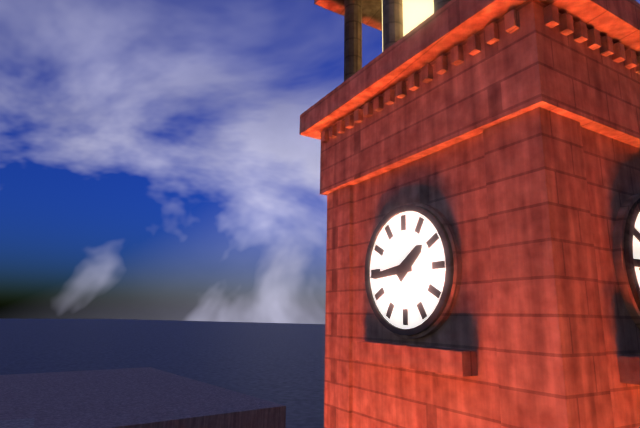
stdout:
**1:44**
